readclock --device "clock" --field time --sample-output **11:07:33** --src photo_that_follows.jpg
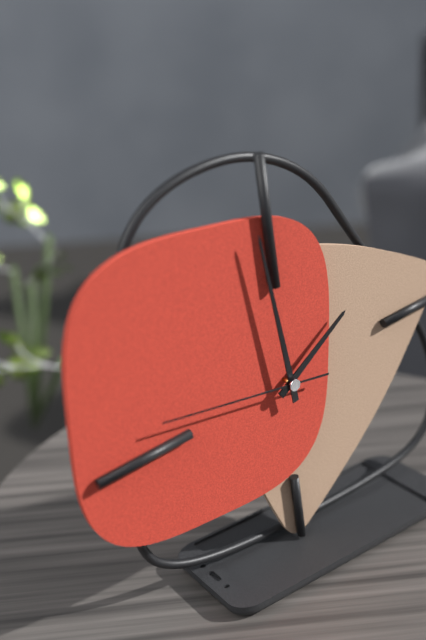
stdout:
**1:59:47**
